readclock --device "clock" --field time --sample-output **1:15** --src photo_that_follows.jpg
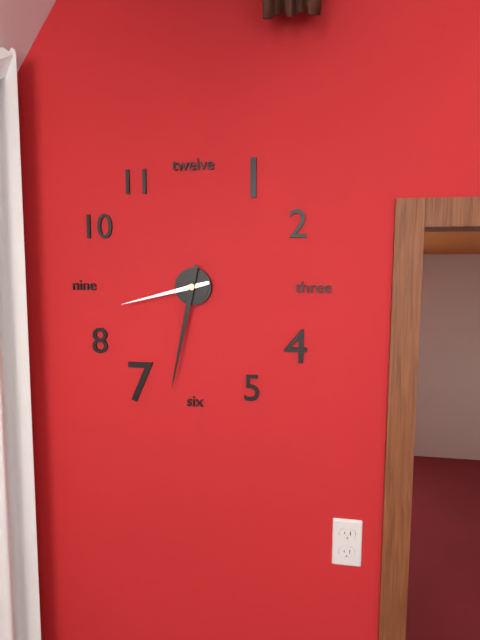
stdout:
**8:32**
